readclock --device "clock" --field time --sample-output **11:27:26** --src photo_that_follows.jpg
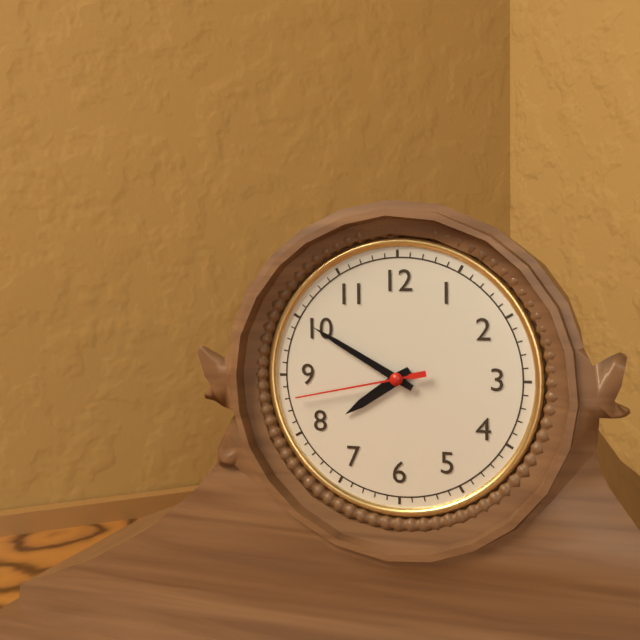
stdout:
**7:50:43**
